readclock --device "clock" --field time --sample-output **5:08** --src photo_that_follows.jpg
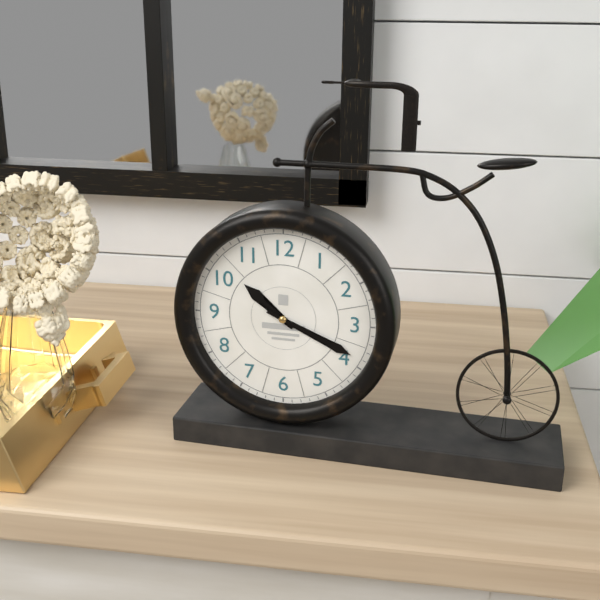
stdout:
**10:19**
